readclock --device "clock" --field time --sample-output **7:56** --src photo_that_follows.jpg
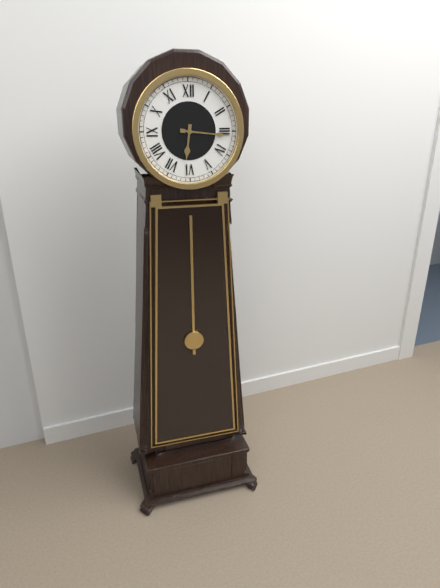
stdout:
**6:16**
